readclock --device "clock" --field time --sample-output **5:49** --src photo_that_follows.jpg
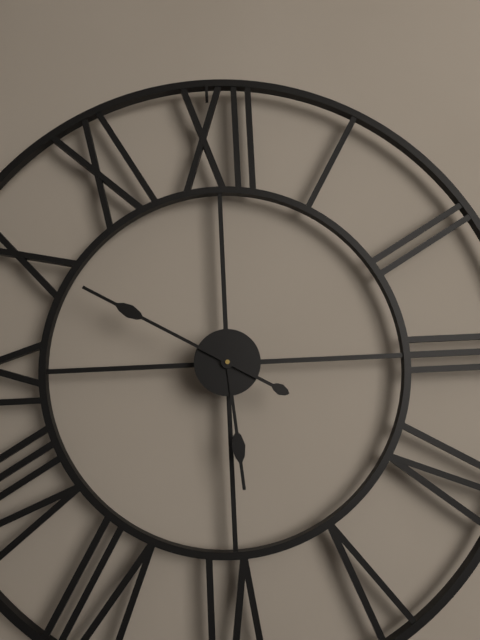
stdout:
**5:50**
